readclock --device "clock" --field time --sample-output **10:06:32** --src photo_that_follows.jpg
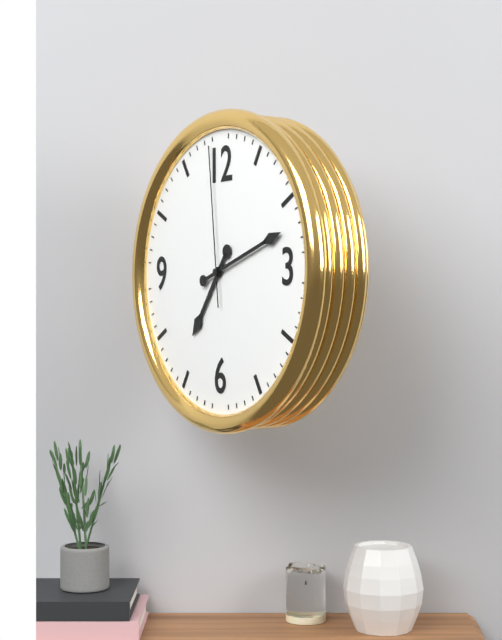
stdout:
**7:12:59**
